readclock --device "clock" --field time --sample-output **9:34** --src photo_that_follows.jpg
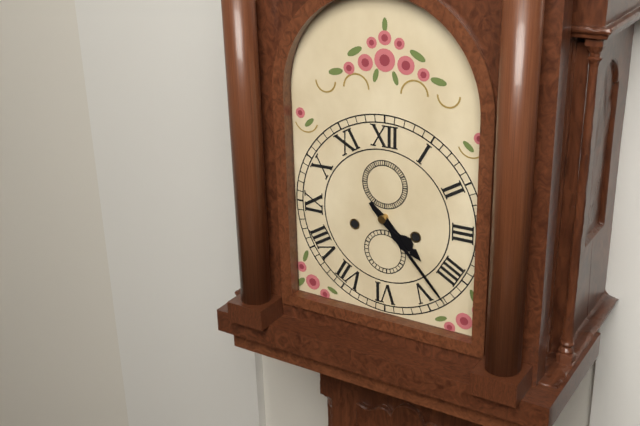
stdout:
**4:23**
